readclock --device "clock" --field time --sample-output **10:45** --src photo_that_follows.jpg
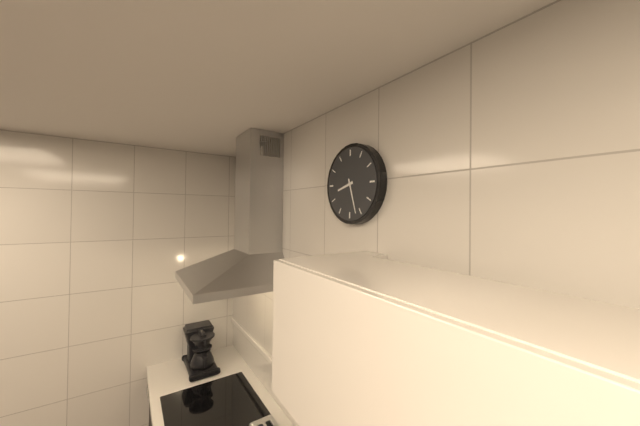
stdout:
**8:27**
